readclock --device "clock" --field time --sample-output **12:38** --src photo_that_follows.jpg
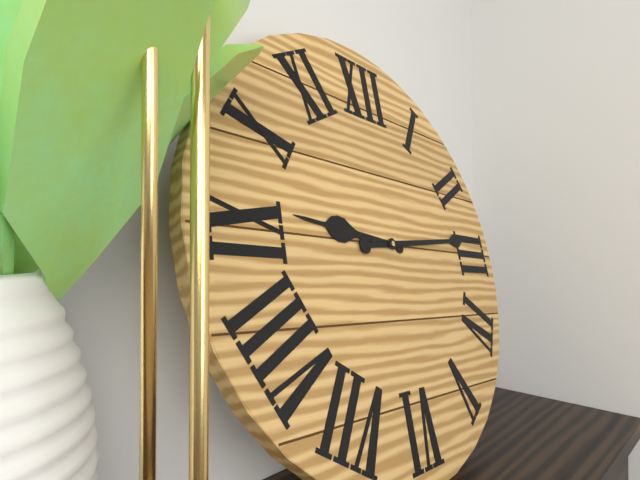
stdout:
**9:14**
